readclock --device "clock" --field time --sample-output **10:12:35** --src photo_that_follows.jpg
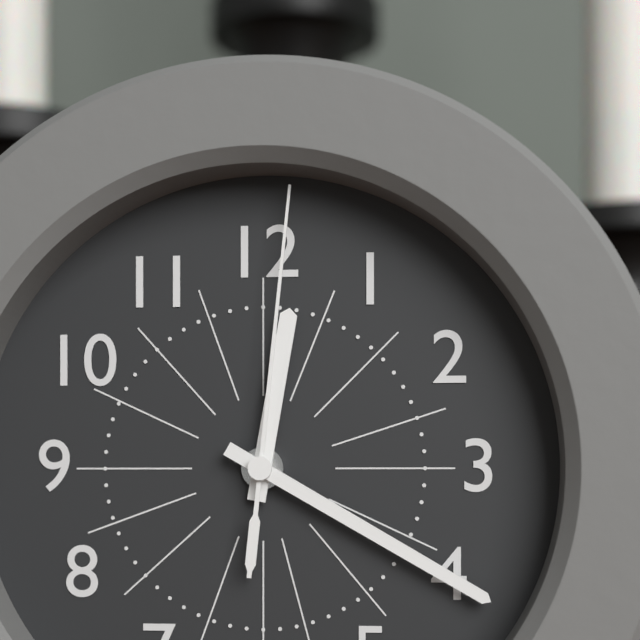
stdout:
**12:20:01**
